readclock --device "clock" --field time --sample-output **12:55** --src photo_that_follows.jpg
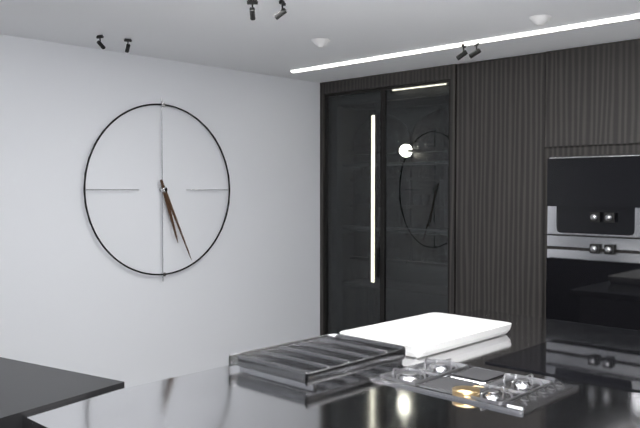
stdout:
**5:26**
